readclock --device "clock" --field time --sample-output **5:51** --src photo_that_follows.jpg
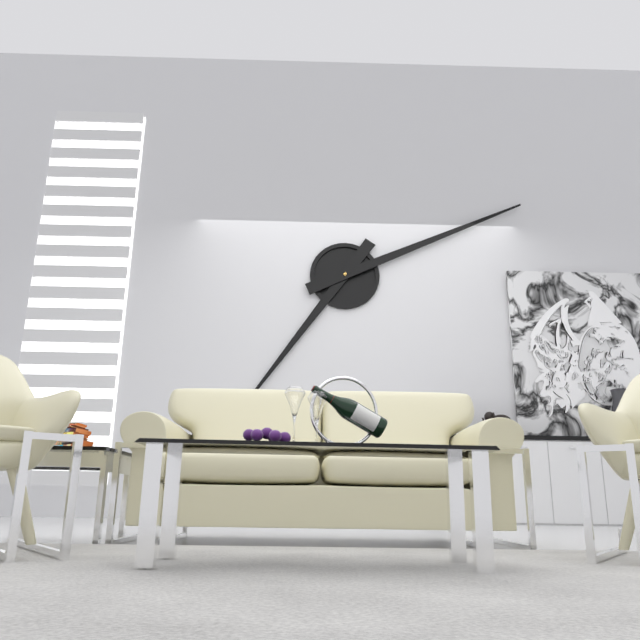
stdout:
**7:11**
